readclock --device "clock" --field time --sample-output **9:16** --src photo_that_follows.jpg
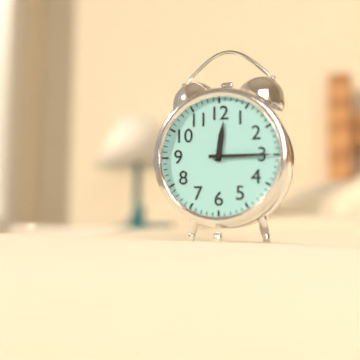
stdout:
**12:15**
